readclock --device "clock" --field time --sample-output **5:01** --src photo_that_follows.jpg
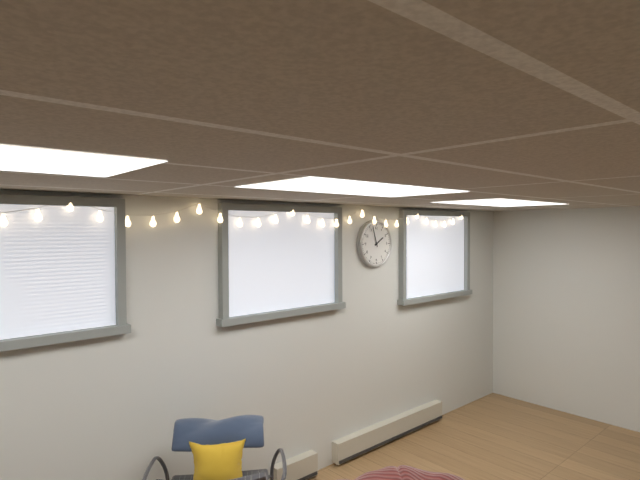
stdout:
**1:57**
